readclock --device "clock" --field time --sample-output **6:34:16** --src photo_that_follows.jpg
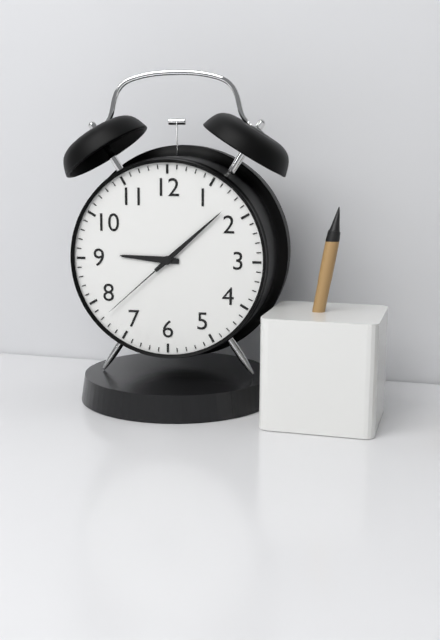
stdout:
**9:08:38**
